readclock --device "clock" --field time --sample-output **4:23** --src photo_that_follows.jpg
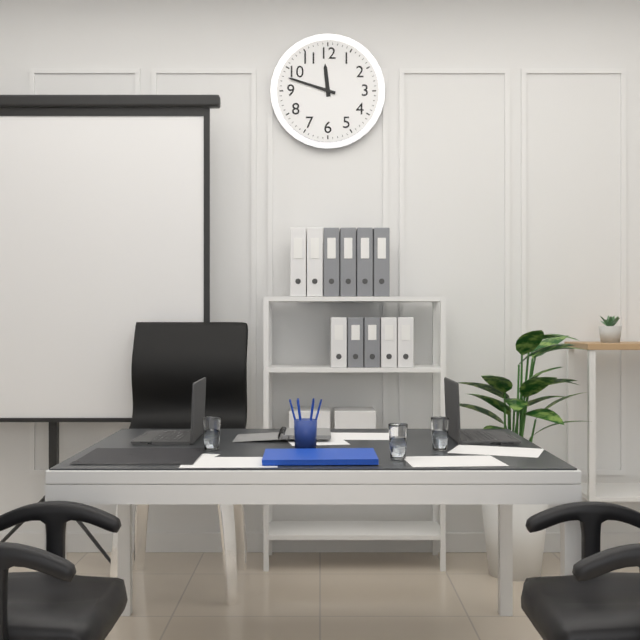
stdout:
**11:48**
